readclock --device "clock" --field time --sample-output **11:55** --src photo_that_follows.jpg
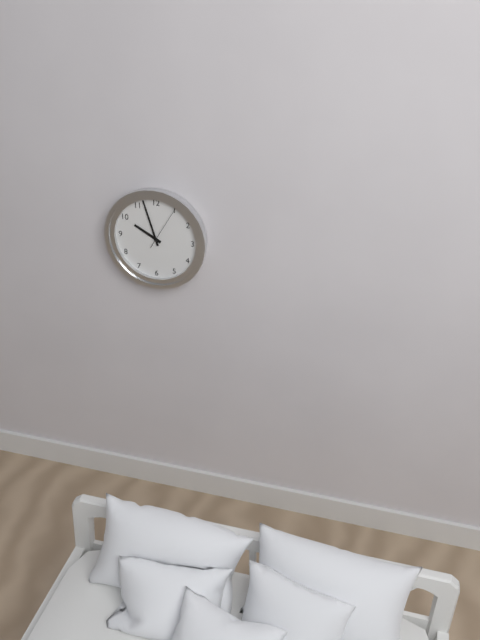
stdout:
**9:57**
